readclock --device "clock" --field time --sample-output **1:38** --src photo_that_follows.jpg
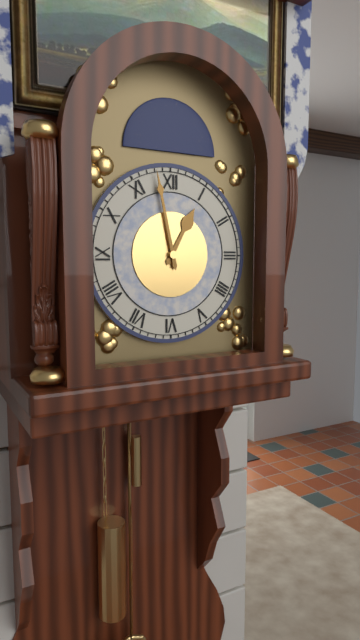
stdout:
**12:58**
